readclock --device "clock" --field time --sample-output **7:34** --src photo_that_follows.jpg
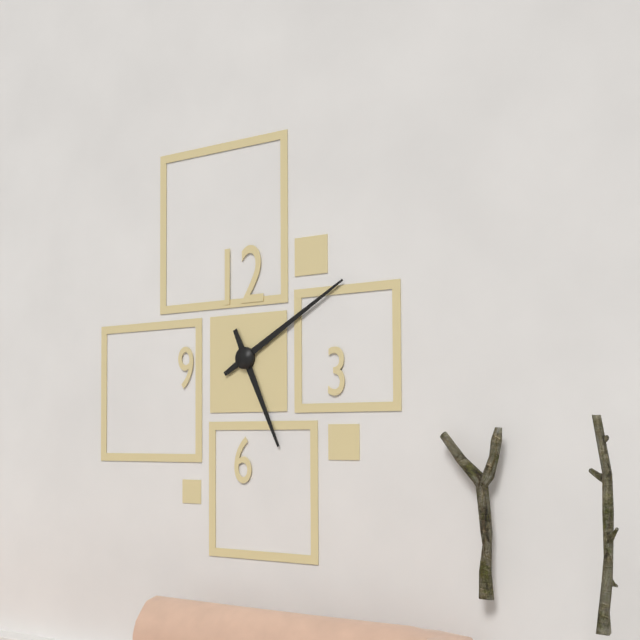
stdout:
**5:10**
